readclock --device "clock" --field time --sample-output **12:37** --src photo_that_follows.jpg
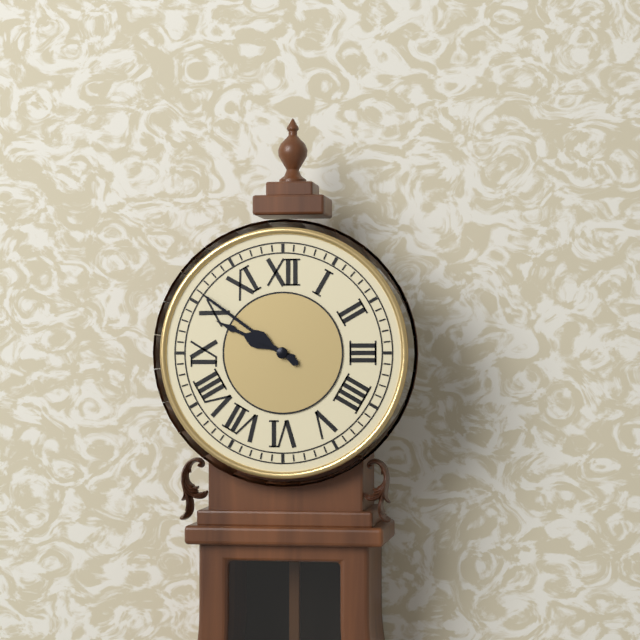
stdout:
**9:51**
